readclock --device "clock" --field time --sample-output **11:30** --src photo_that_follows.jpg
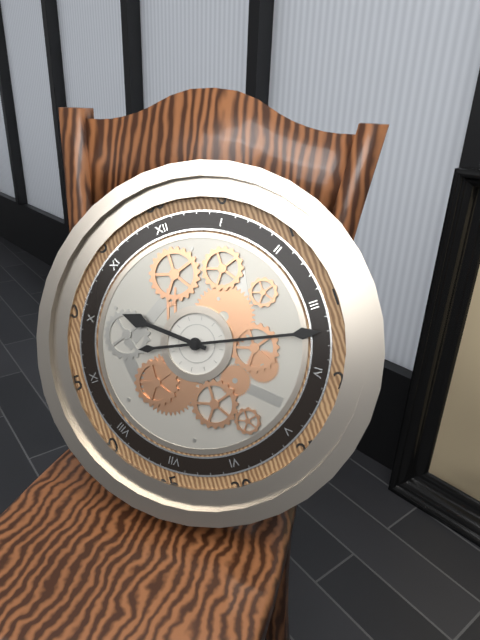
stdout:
**10:17**
